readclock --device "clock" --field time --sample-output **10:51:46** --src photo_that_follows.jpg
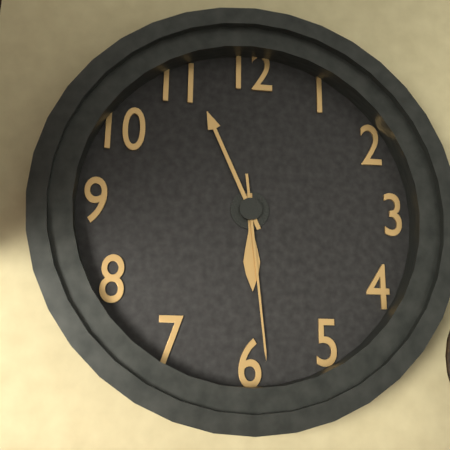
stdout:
**5:56:29**
